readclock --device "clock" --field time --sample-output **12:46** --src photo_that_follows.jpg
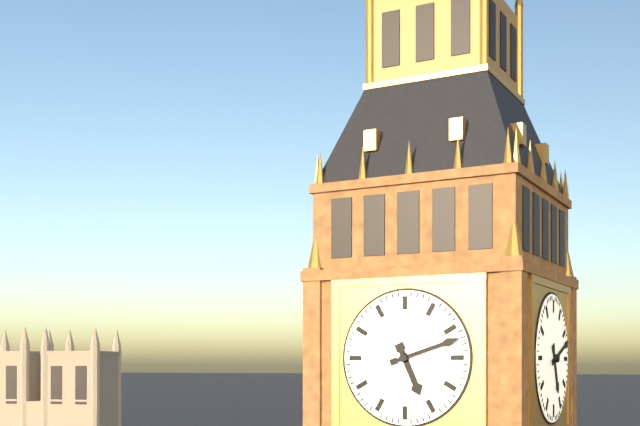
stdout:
**5:12**
